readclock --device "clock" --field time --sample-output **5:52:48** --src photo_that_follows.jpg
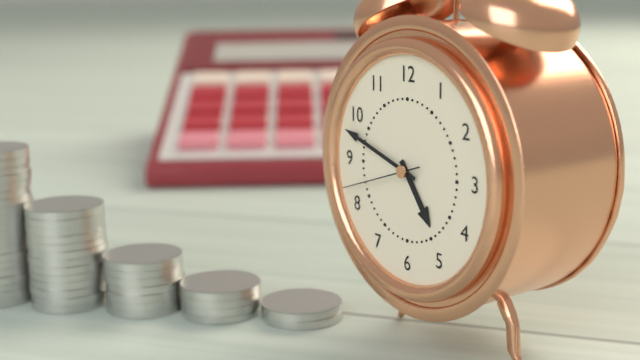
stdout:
**4:48:42**
